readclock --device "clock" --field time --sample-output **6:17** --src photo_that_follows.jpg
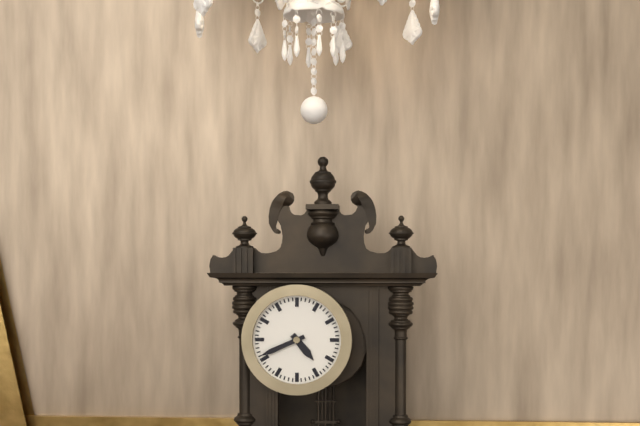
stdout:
**4:41**
